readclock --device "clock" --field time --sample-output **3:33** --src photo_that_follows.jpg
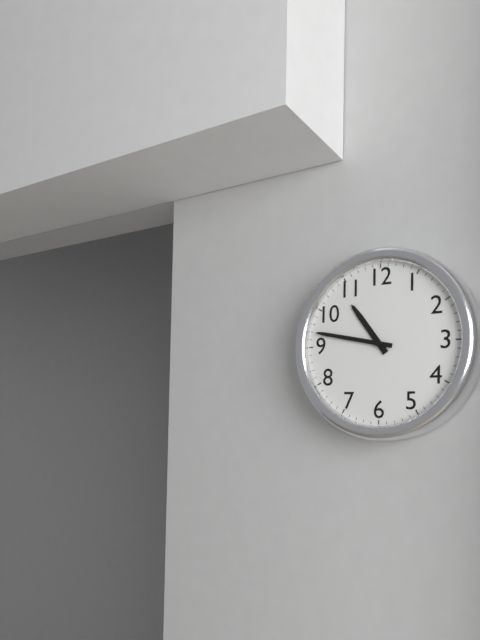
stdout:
**10:47**
